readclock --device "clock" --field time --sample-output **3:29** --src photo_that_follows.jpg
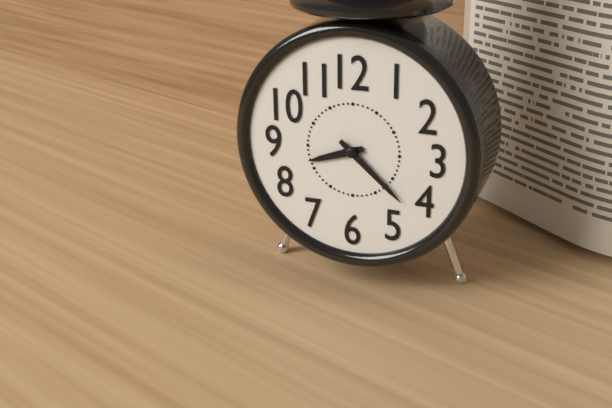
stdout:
**8:22**
